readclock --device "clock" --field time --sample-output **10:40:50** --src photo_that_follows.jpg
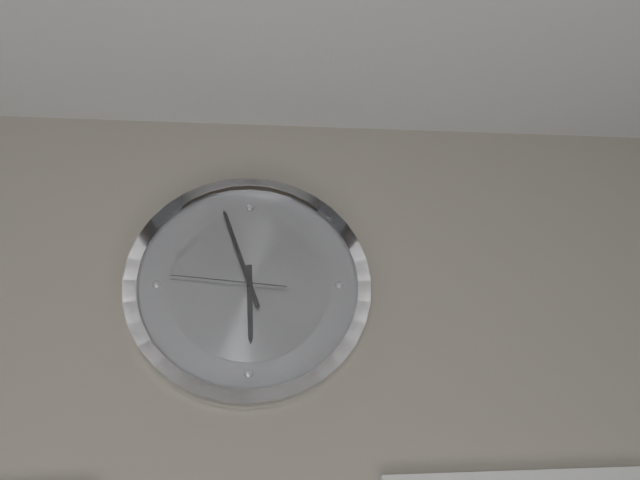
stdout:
**5:57:46**
